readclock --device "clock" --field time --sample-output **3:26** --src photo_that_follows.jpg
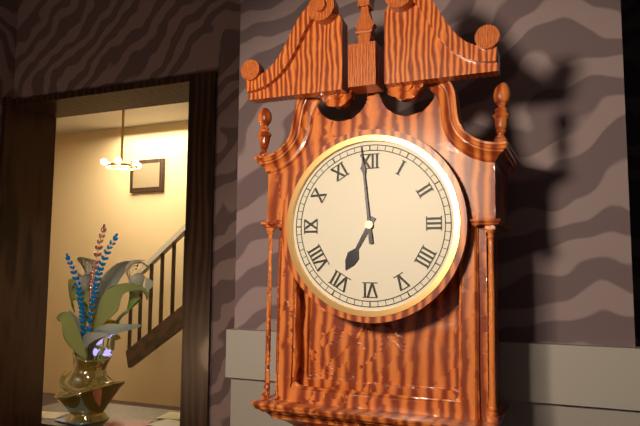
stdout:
**6:59**
